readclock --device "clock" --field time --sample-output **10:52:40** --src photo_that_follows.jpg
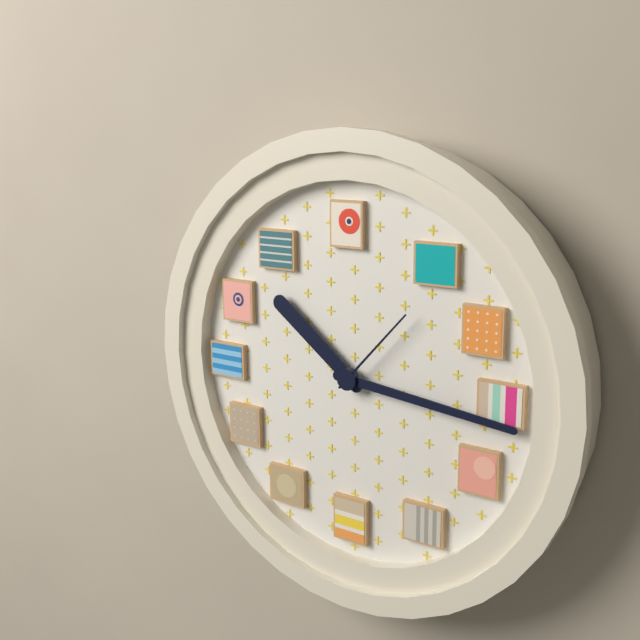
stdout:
**10:16:07**
